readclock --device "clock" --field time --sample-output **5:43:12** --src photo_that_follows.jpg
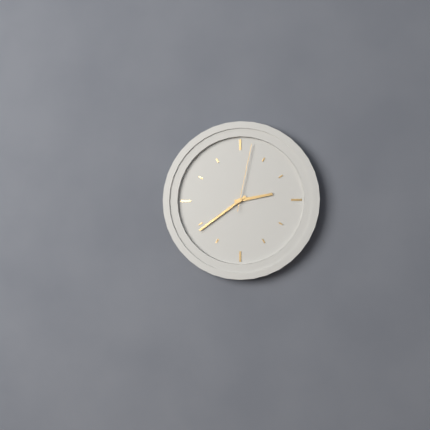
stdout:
**2:39:02**
